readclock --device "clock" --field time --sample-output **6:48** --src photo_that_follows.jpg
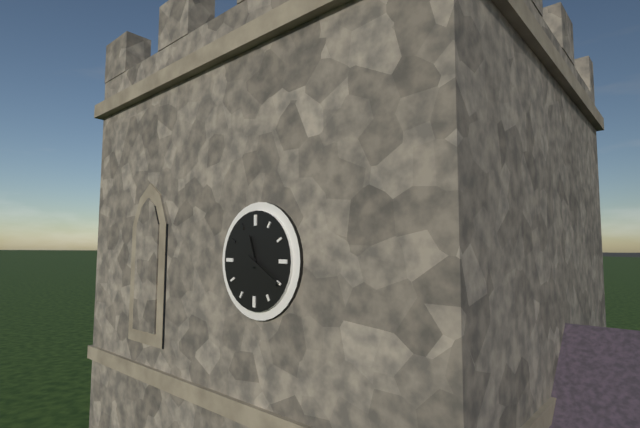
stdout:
**11:20**
